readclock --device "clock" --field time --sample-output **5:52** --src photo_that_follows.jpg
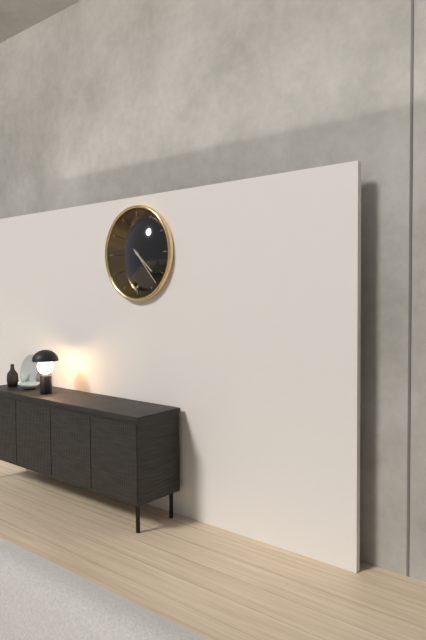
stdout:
**4:23**
